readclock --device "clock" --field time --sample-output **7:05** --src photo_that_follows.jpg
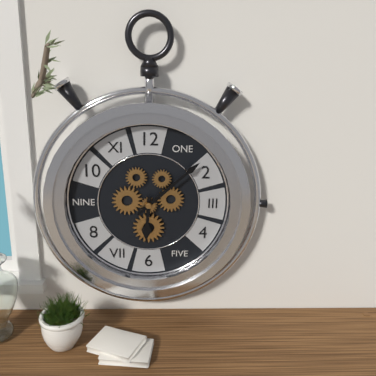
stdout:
**6:08**
